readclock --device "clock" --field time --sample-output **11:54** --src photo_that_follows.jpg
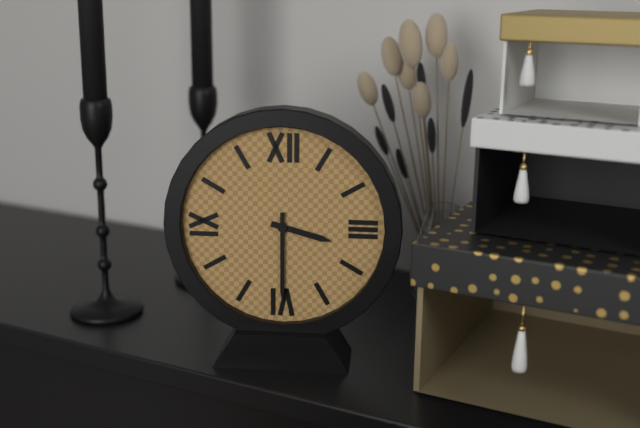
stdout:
**3:30**
